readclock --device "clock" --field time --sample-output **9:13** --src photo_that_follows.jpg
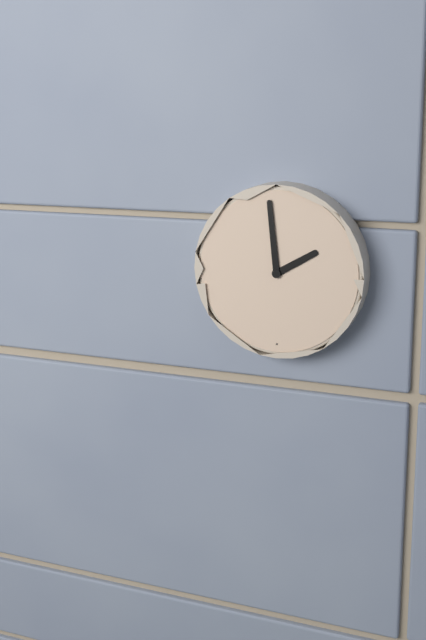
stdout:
**1:59**
